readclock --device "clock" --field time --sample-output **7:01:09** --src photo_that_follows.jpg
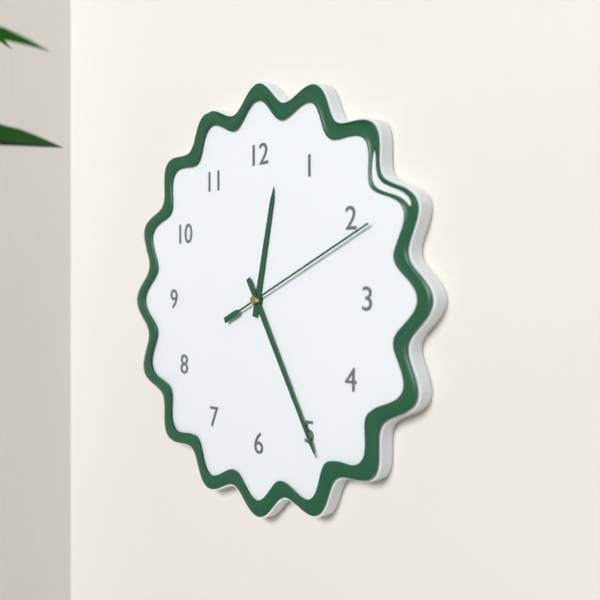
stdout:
**12:25:11**
